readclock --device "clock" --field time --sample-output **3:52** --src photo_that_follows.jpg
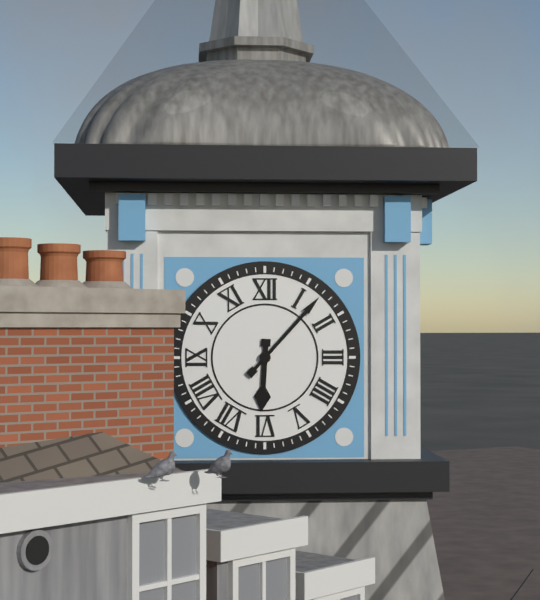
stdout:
**6:07**
